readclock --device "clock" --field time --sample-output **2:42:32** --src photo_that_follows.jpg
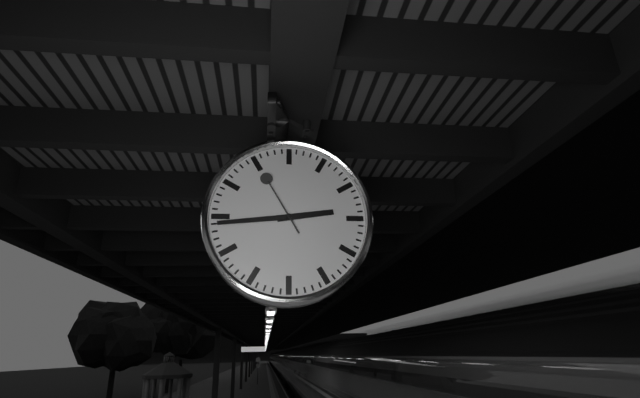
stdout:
**2:44:55**
